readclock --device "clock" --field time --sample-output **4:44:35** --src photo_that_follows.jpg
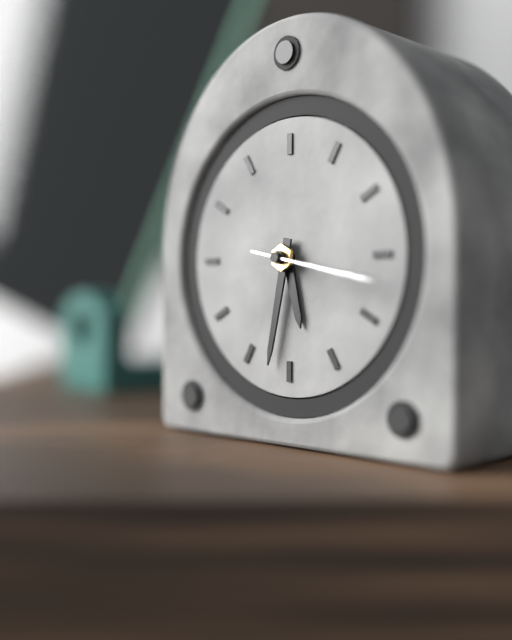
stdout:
**5:32:17**
